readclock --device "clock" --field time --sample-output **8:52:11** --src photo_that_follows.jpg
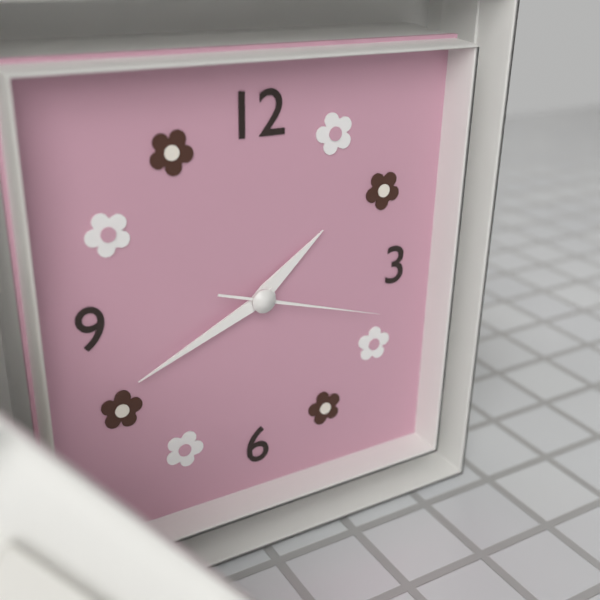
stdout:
**1:41:18**
